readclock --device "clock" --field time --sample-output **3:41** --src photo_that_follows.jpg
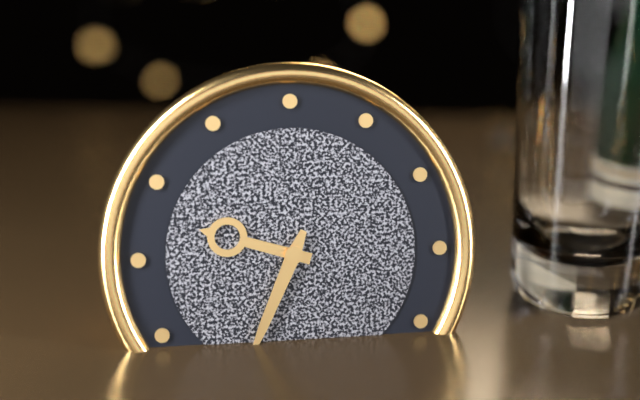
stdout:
**9:34**
